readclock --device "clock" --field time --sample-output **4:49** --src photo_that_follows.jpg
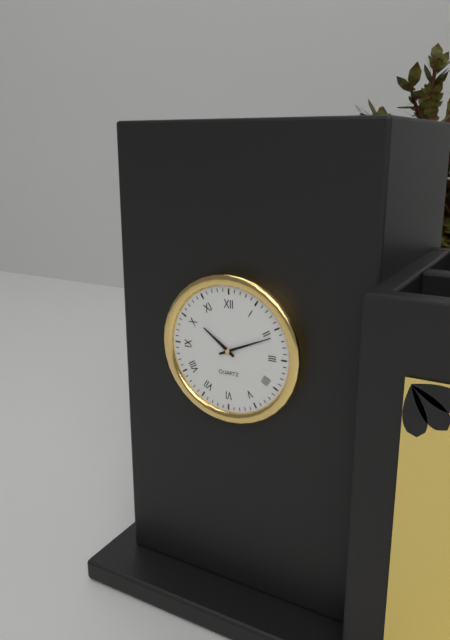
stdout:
**10:11**
